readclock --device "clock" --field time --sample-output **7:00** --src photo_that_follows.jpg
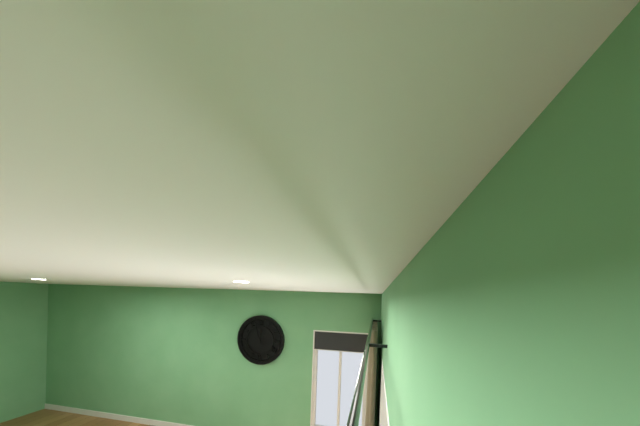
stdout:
**11:57**
